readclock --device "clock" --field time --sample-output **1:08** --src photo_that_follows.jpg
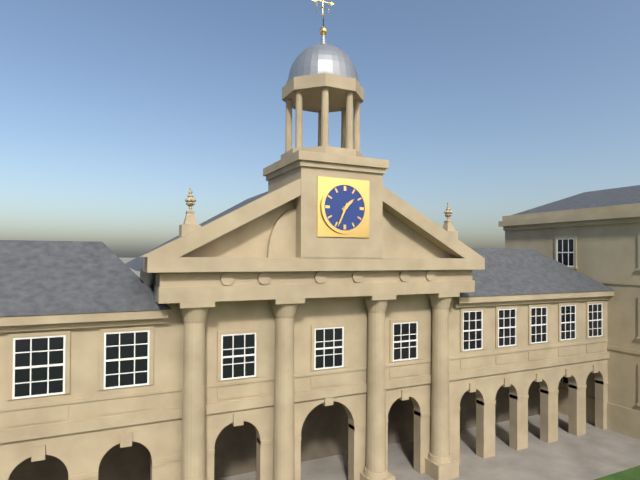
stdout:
**1:34**
